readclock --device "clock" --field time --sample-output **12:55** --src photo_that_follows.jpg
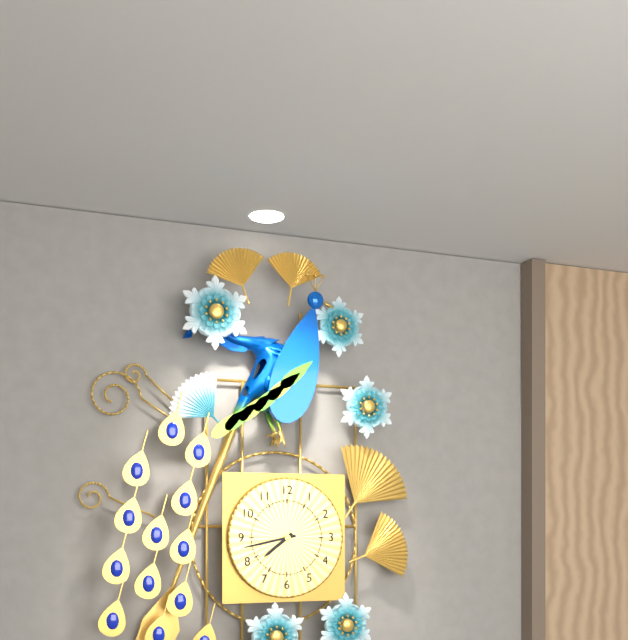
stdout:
**7:43**
